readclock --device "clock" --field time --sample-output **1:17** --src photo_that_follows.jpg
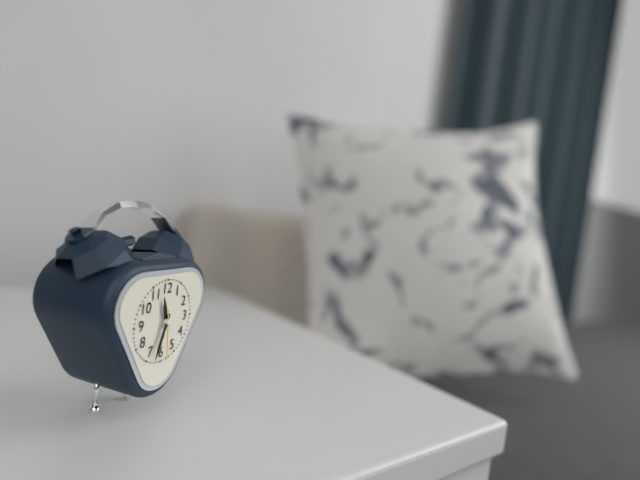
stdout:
**11:33**
